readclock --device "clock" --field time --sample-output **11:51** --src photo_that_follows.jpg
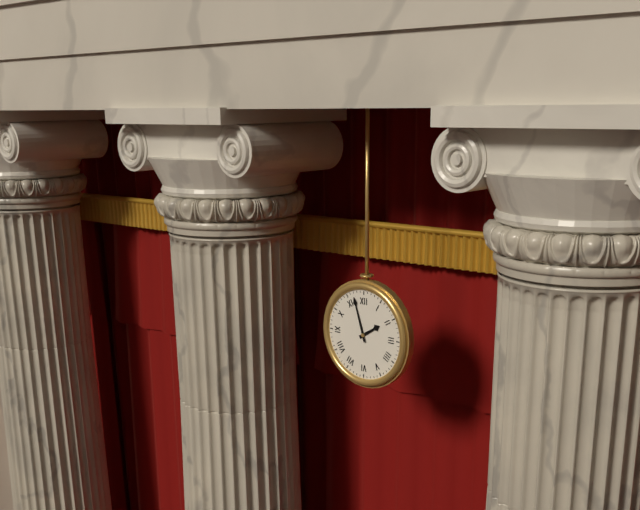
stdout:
**1:57**
